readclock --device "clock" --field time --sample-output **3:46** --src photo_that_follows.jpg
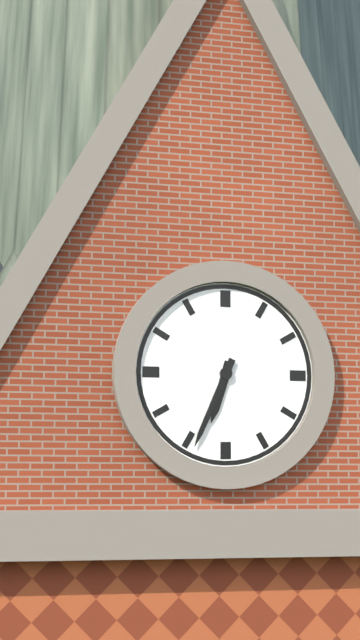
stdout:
**6:34**
